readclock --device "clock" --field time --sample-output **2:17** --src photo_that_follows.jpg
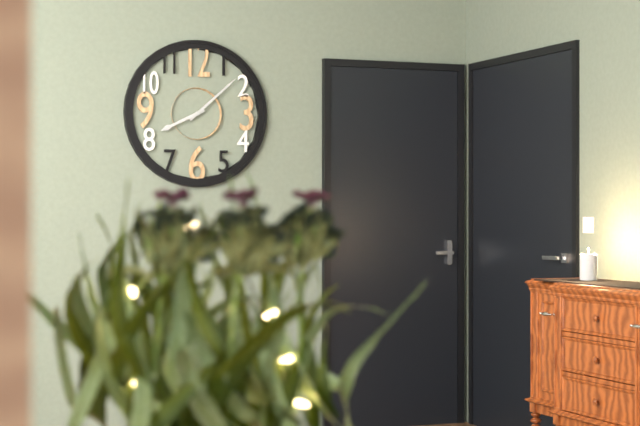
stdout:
**8:08**
